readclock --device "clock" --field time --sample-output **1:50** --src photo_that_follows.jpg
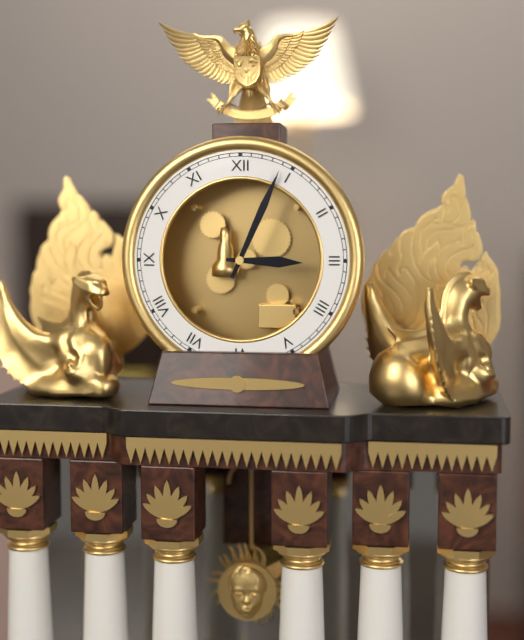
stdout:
**3:04**
